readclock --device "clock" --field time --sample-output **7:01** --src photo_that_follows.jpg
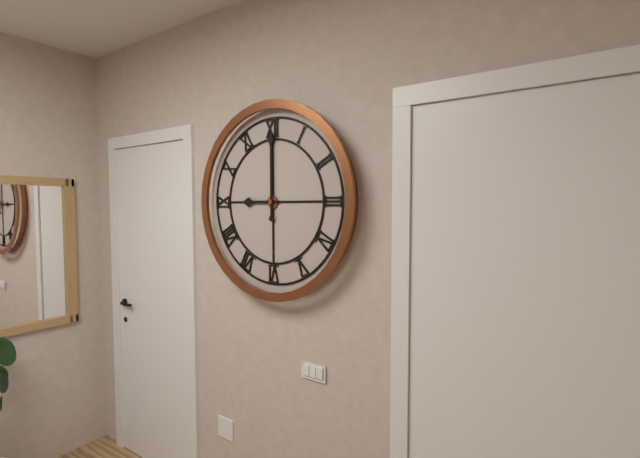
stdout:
**9:00**
